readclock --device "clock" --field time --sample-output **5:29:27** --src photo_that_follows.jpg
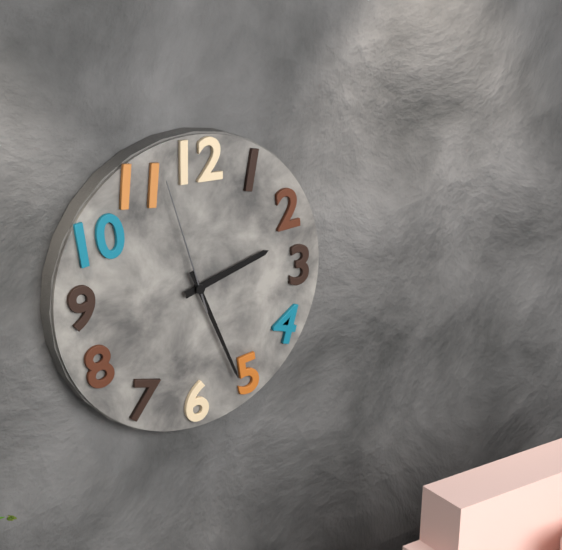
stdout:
**2:26:57**
